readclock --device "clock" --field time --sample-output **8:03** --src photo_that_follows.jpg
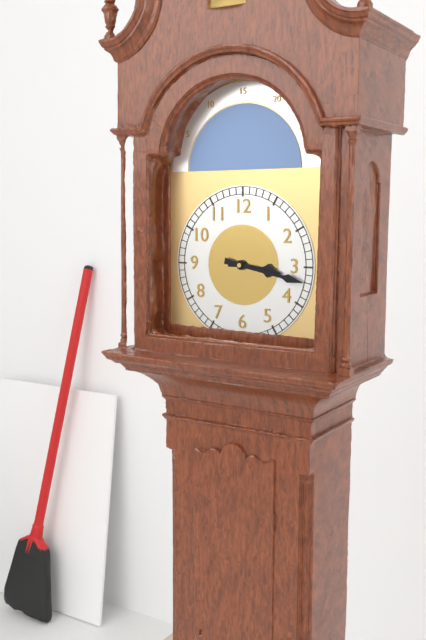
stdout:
**3:17**
